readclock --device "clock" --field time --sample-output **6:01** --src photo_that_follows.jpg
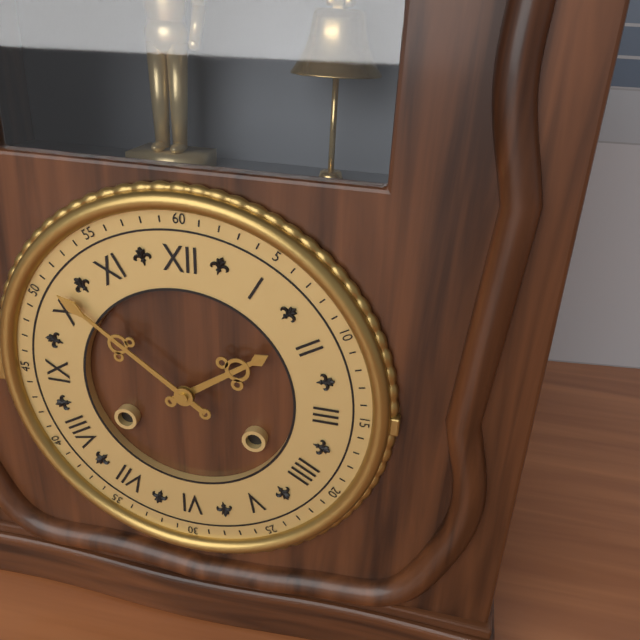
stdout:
**1:51**
